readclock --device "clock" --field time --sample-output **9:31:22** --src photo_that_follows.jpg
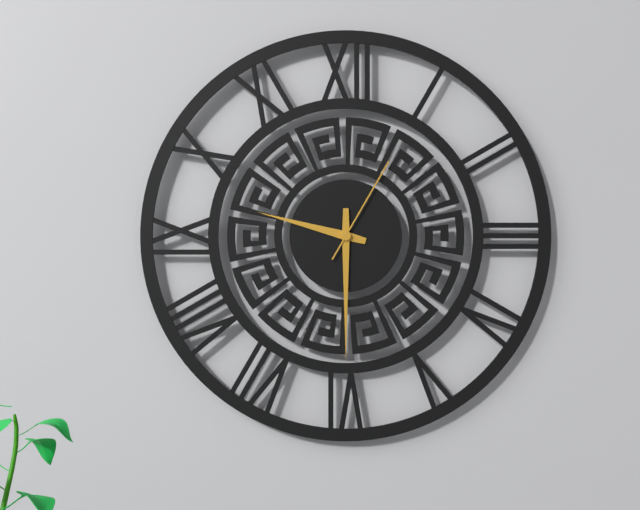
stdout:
**9:30:05**
